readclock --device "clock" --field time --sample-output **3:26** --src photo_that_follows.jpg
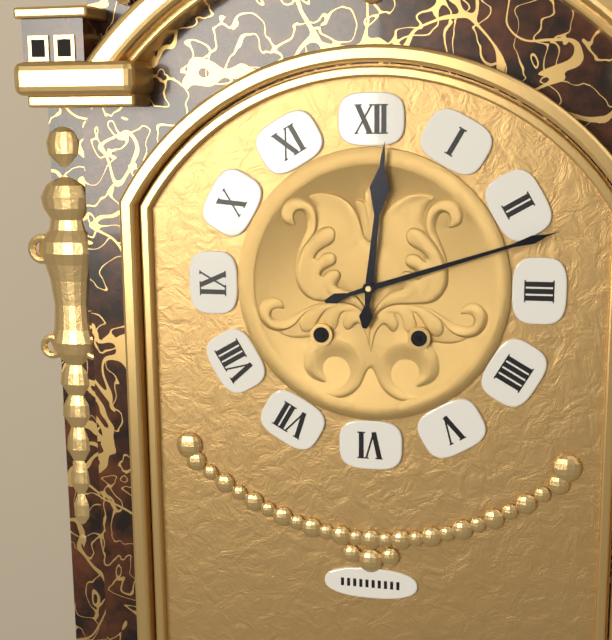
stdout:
**12:12**
